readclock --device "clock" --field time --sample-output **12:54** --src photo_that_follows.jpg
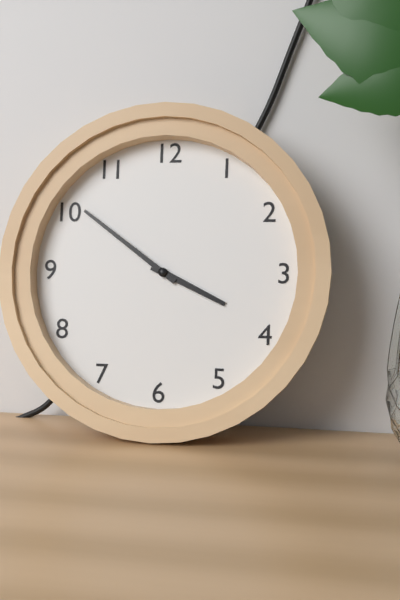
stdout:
**3:51**
